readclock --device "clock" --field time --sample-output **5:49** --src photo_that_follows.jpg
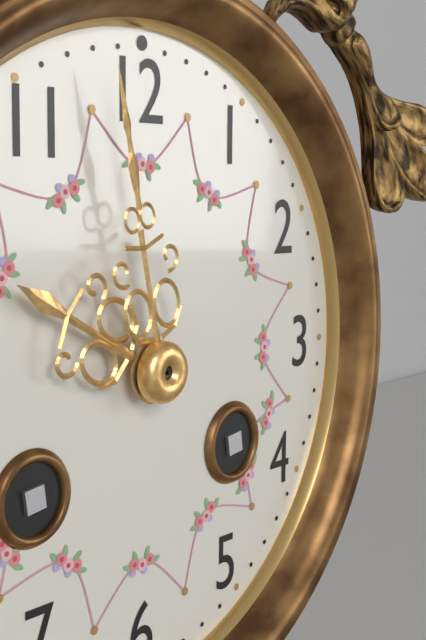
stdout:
**9:58**
